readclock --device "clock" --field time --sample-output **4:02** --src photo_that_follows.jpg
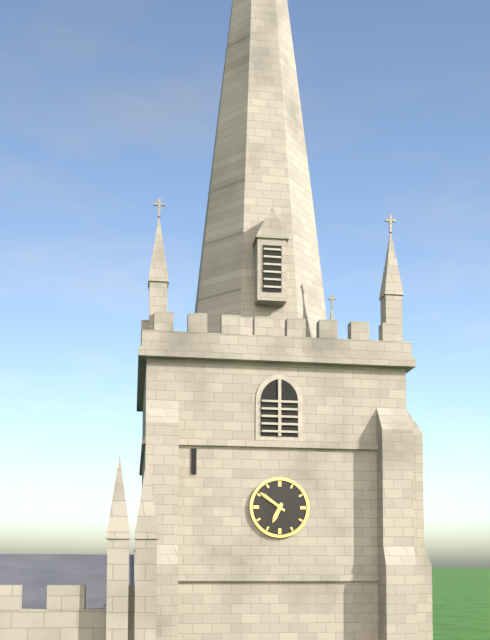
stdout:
**6:51**
